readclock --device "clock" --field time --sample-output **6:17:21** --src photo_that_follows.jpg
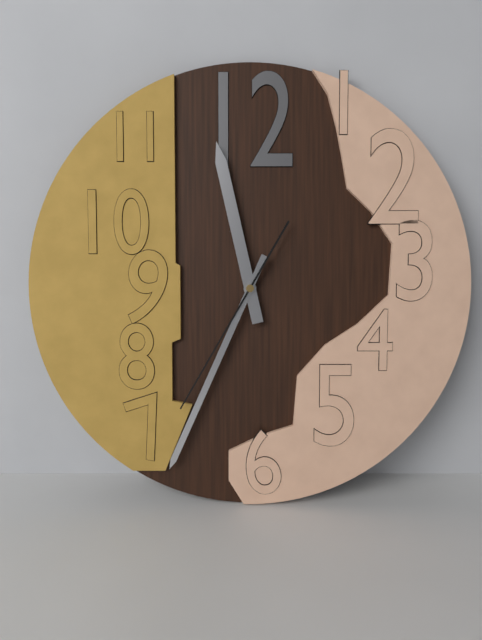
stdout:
**11:34:35**
